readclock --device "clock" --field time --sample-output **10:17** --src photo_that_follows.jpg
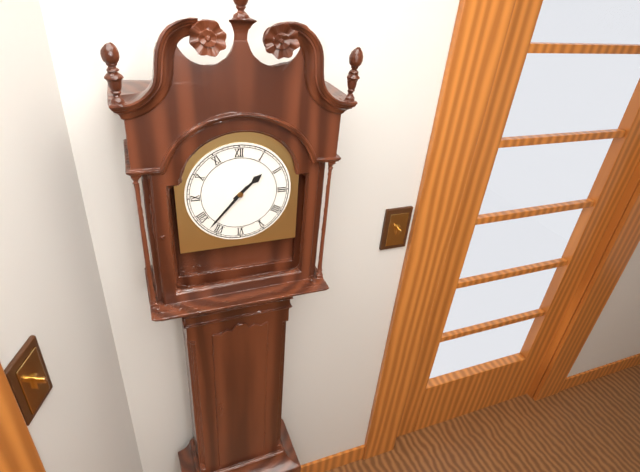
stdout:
**1:37**
